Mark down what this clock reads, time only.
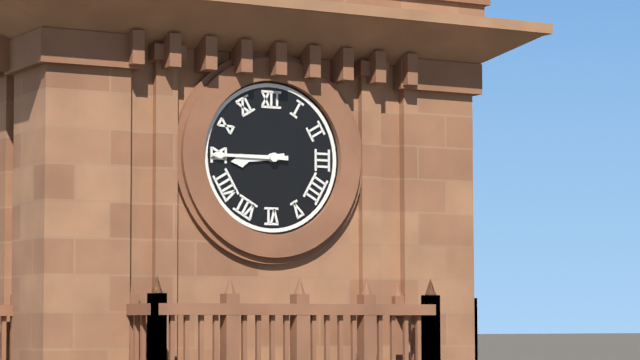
8:45
